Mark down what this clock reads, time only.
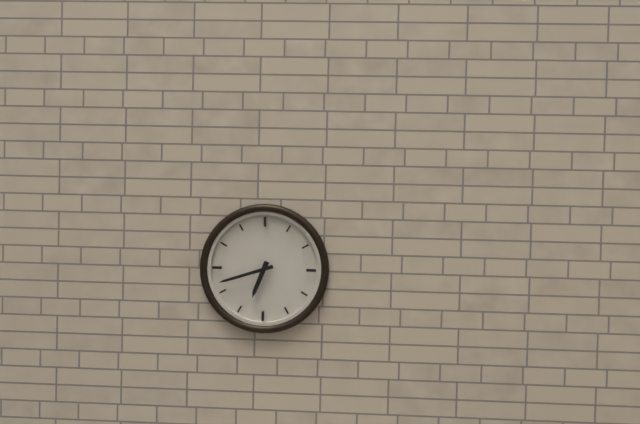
6:42
